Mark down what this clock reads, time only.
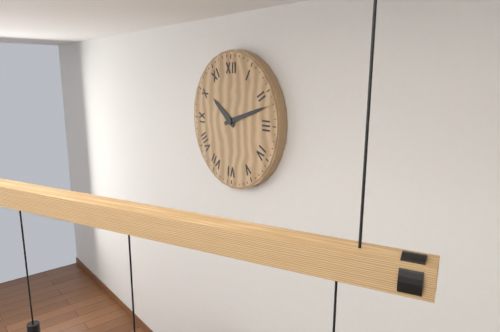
10:12
